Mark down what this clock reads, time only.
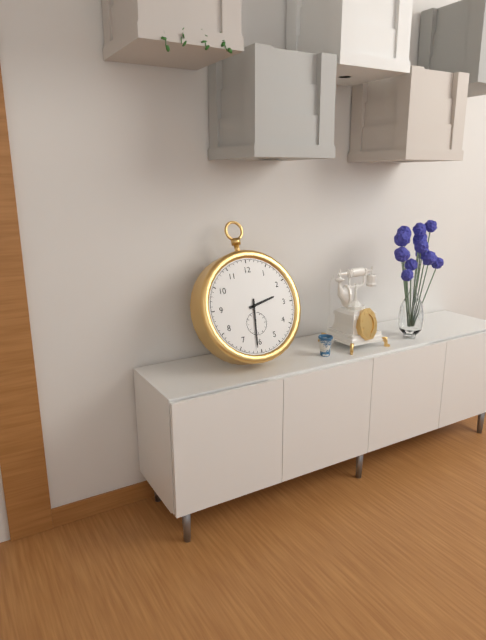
2:31
